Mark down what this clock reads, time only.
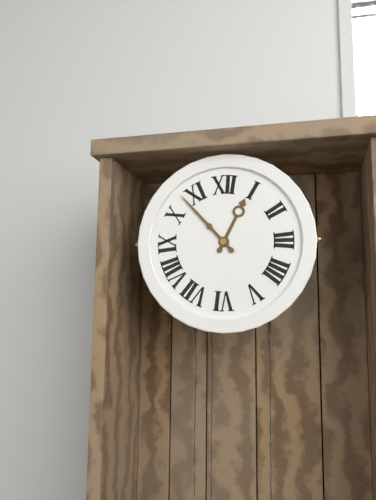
12:53
